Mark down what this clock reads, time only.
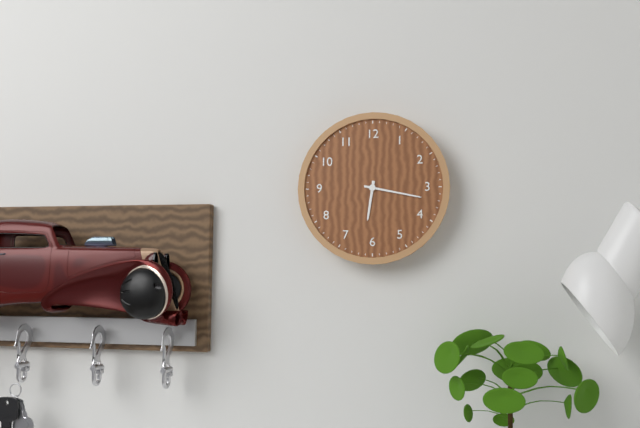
6:17
